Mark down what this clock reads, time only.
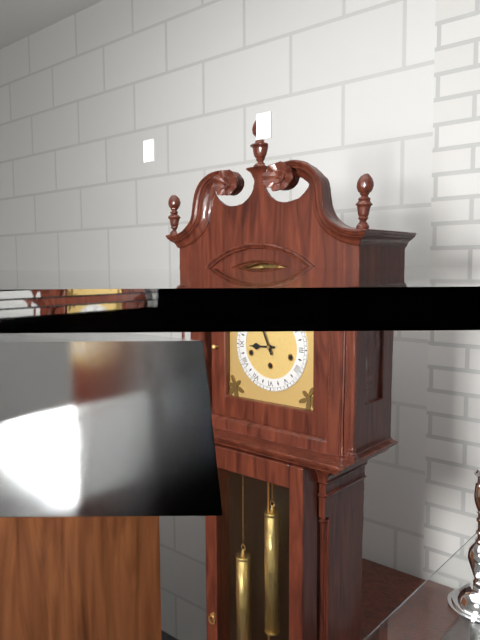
8:56
